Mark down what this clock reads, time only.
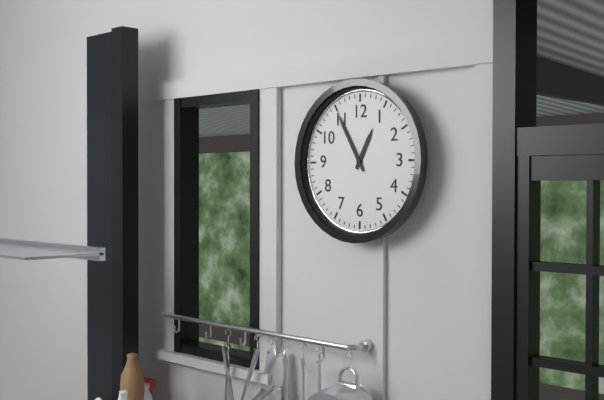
12:55
